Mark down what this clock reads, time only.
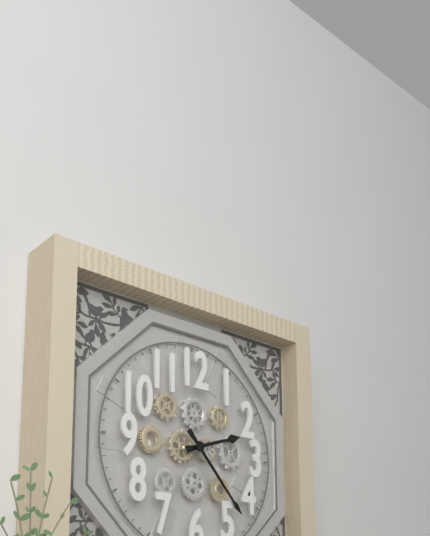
2:23
